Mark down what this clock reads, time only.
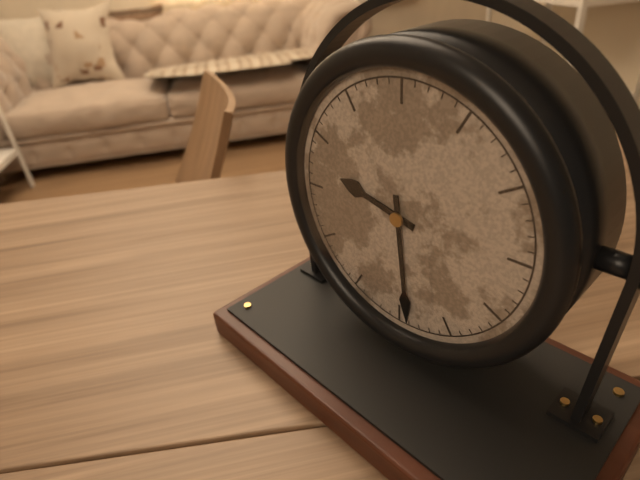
9:29
